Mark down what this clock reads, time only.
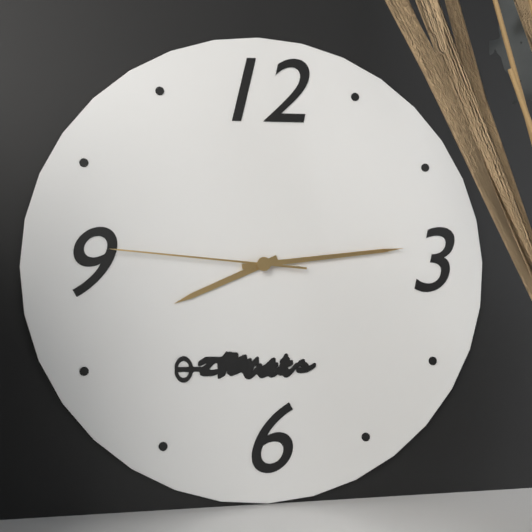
8:14:46
